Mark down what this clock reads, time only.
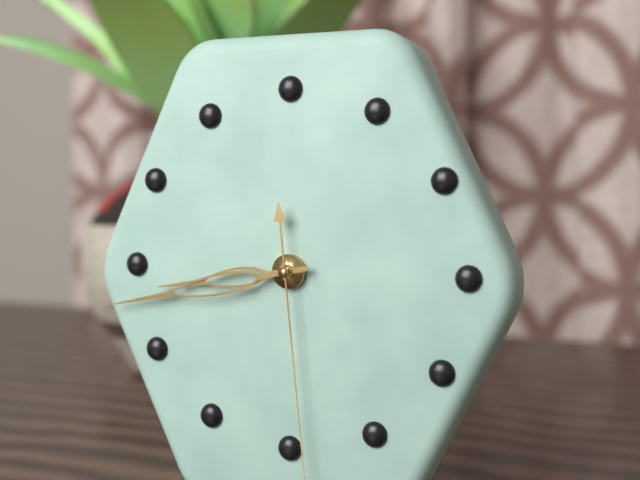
8:43
